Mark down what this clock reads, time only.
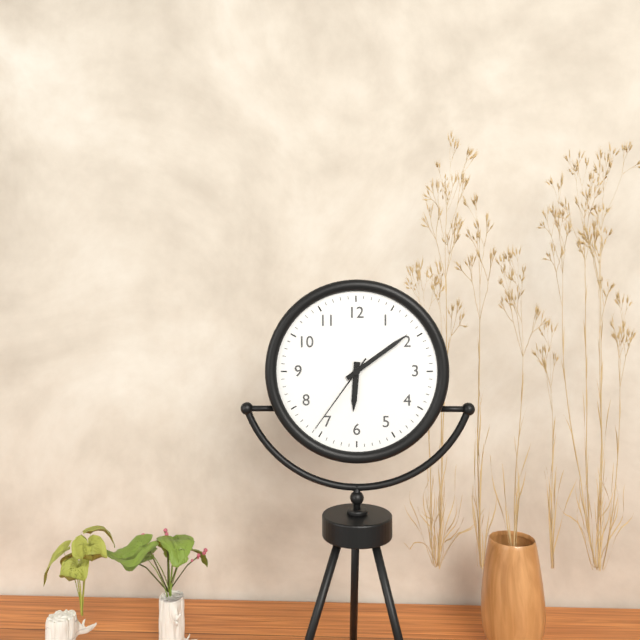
6:09:36
